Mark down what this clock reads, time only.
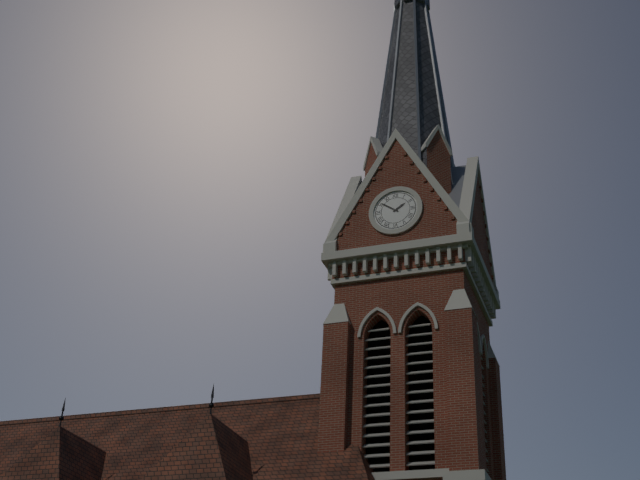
1:51
